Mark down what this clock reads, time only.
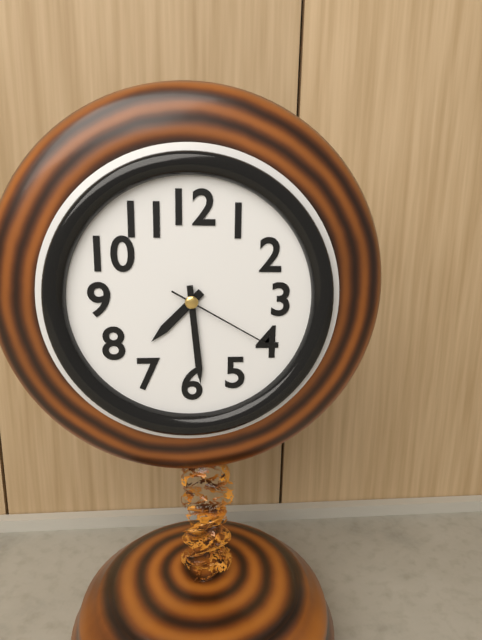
7:29:20
